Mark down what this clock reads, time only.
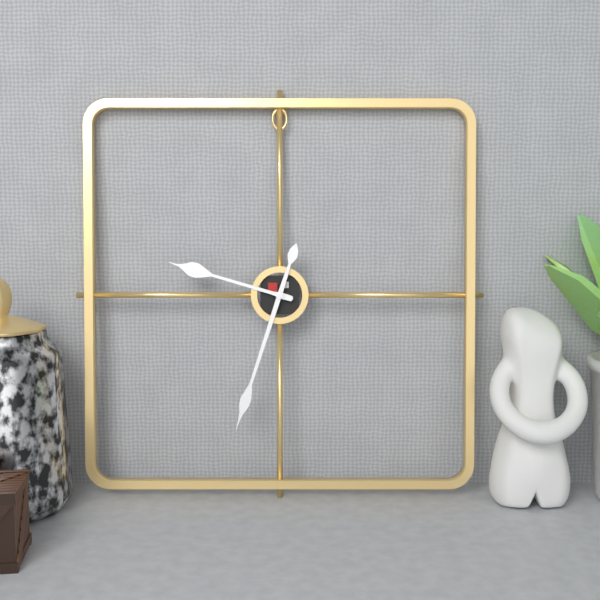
9:33
